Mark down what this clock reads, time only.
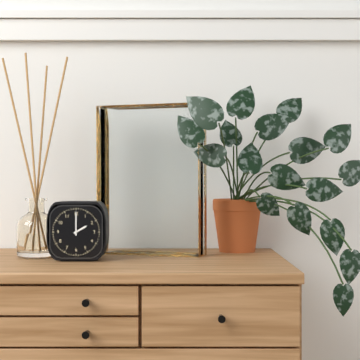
2:00
